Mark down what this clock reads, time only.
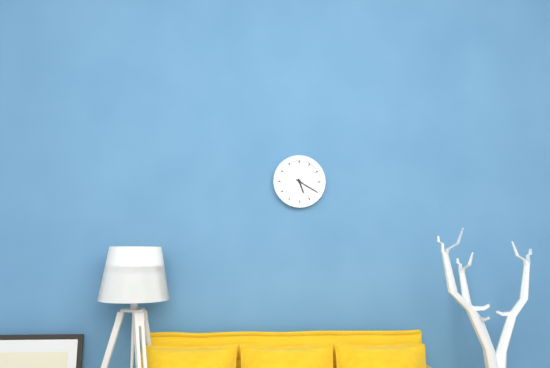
5:20
